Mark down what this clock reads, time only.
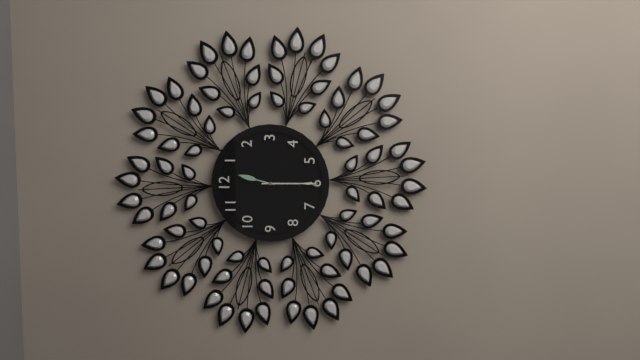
12:30
